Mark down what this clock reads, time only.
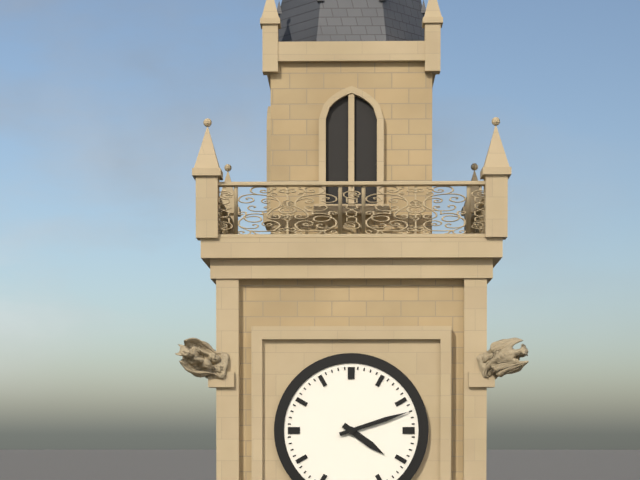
4:12
